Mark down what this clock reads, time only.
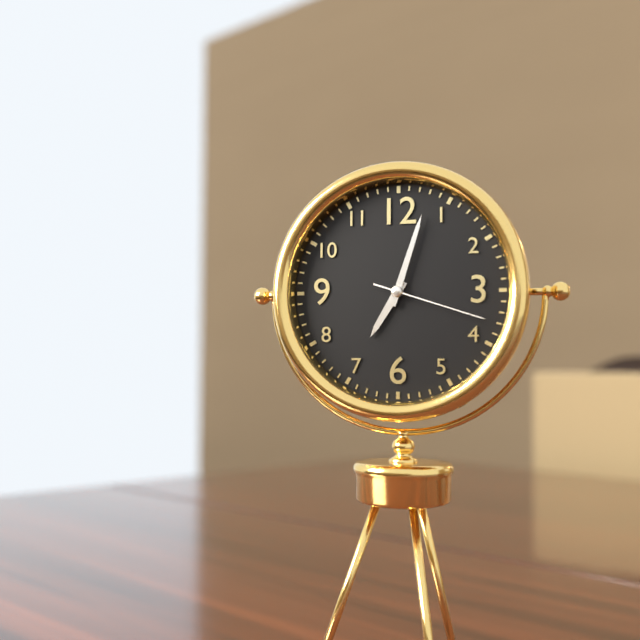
7:03:18
